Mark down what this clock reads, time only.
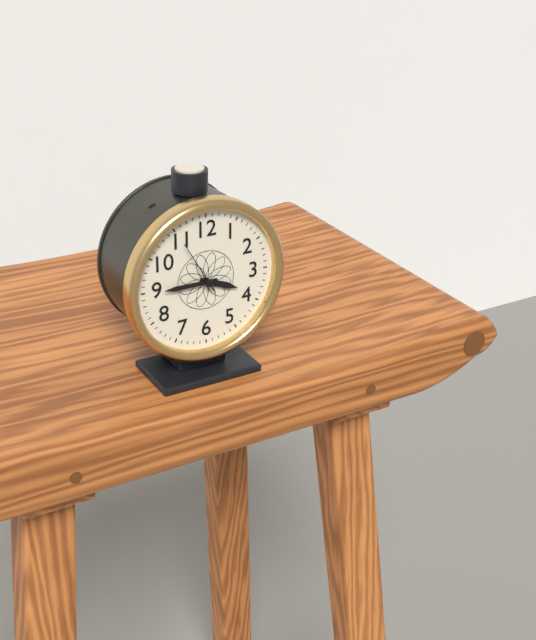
3:45:55
